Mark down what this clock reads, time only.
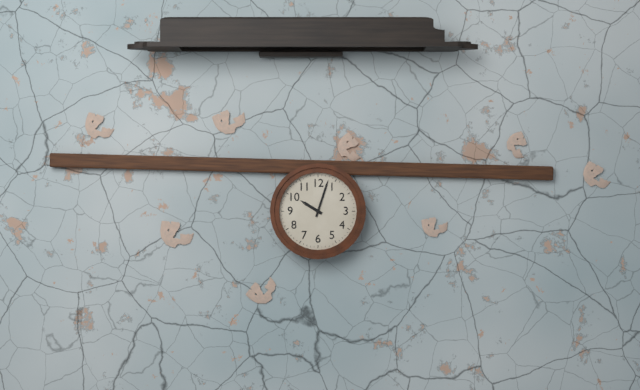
10:03
